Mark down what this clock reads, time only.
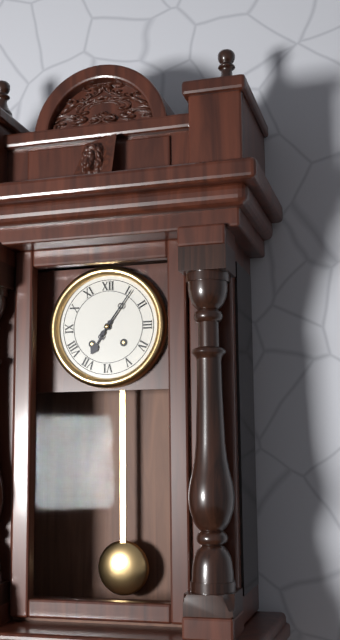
7:06
